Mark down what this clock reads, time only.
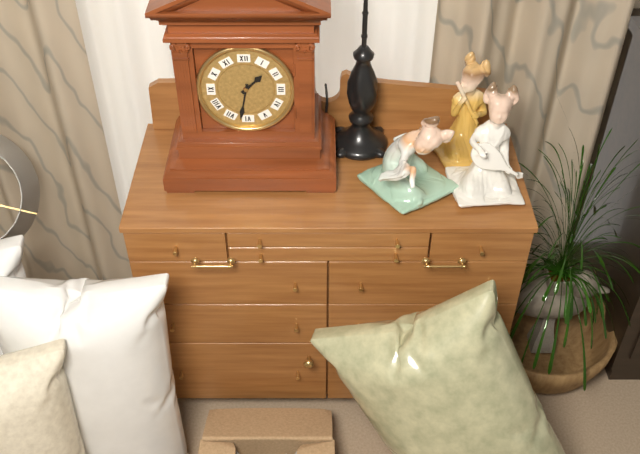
1:32
